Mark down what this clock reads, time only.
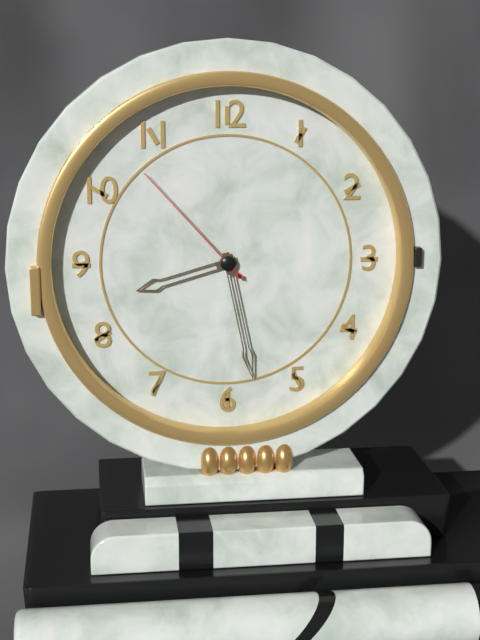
8:28:53
